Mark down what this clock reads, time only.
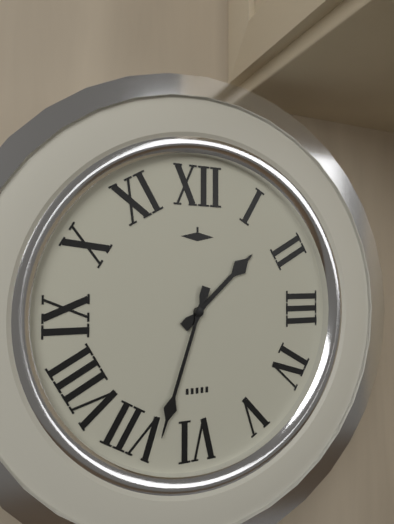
1:33
